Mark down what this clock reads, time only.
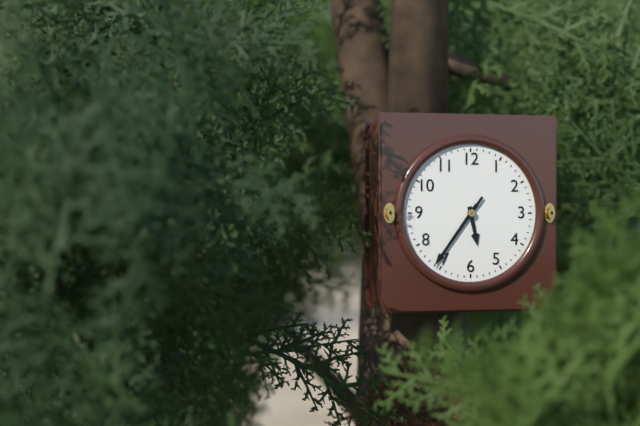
5:36:36
